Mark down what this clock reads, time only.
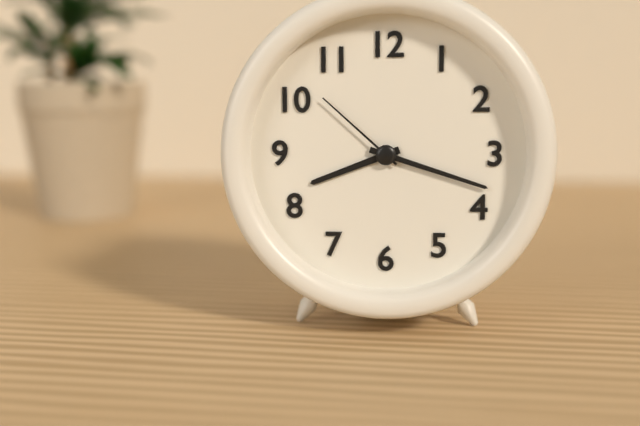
8:18:52
